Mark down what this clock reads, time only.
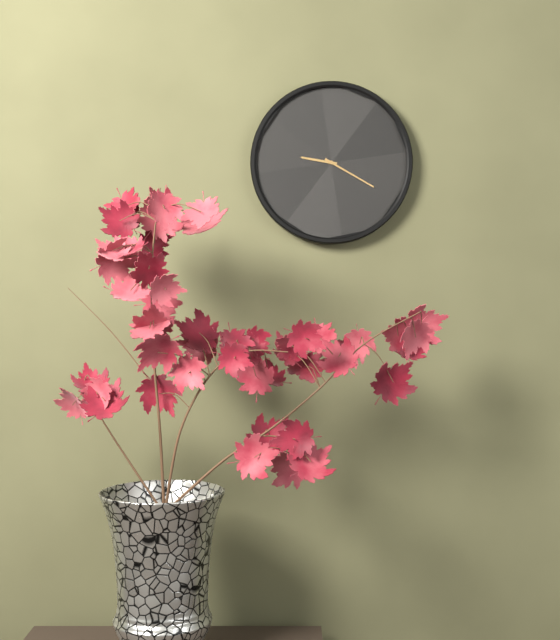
9:20
